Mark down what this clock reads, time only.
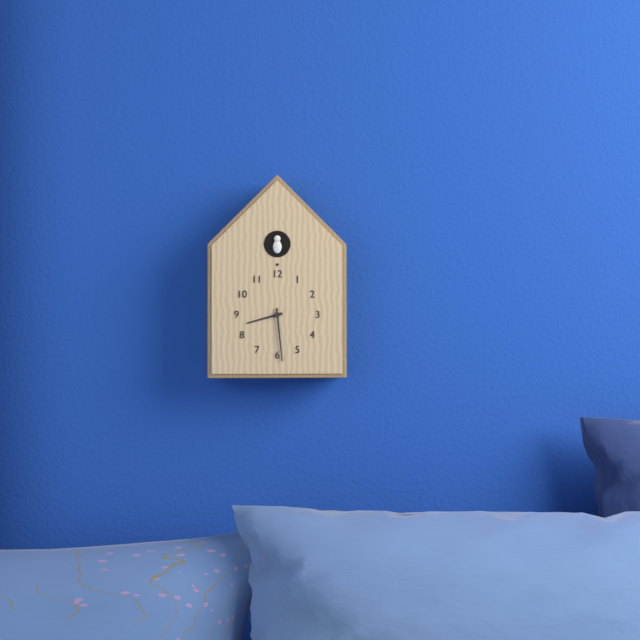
8:29
